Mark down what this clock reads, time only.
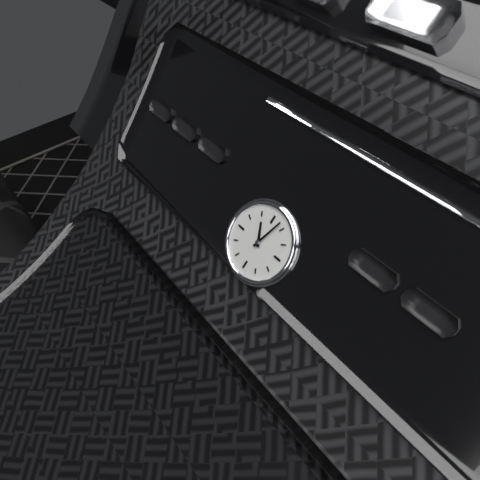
11:03
